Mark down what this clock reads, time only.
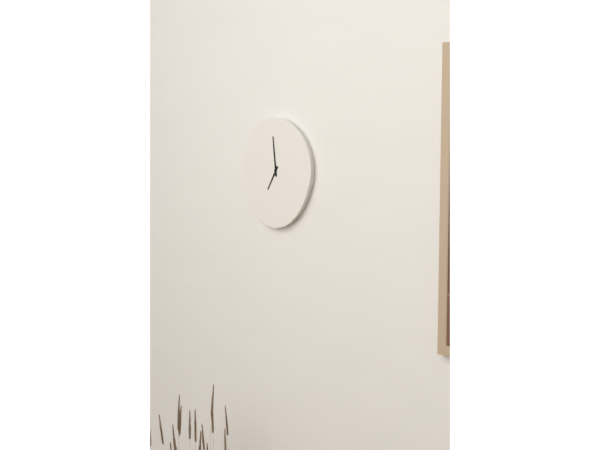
6:59
